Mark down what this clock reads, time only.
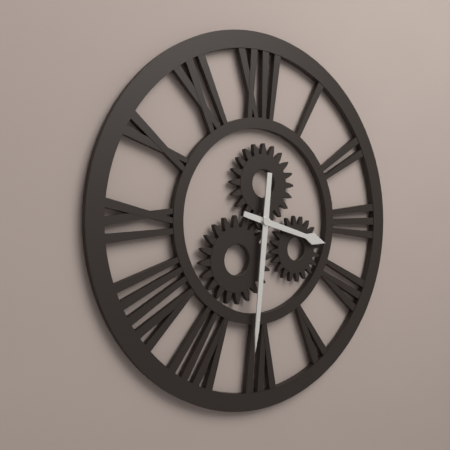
3:31
